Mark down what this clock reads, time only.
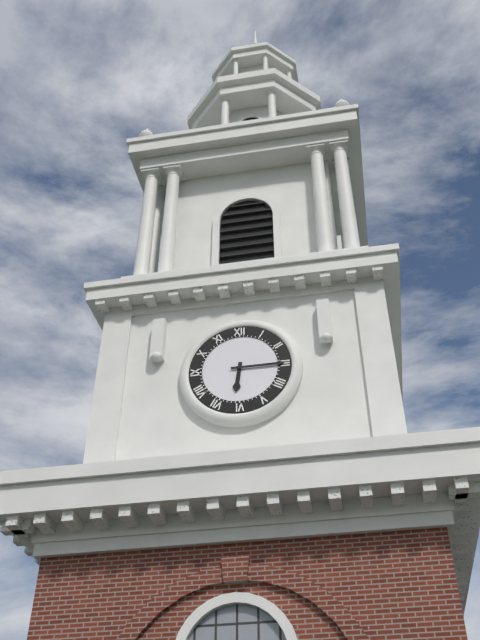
6:15
